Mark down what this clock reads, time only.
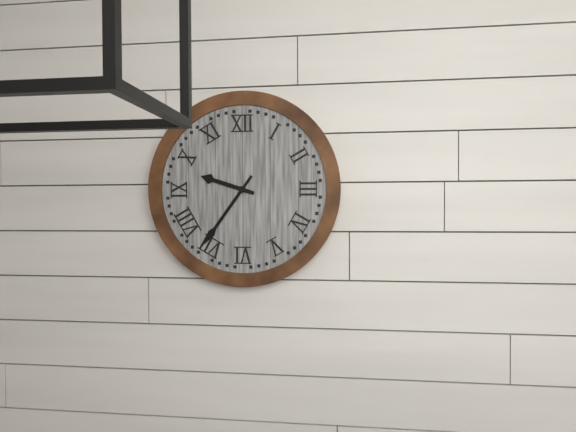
9:36
